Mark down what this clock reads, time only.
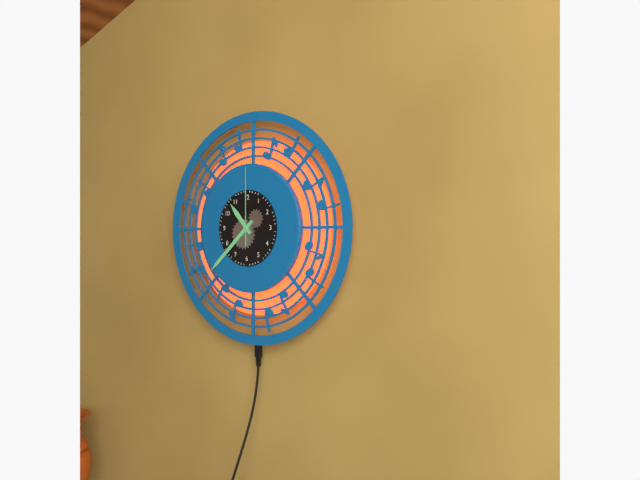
10:38:00
